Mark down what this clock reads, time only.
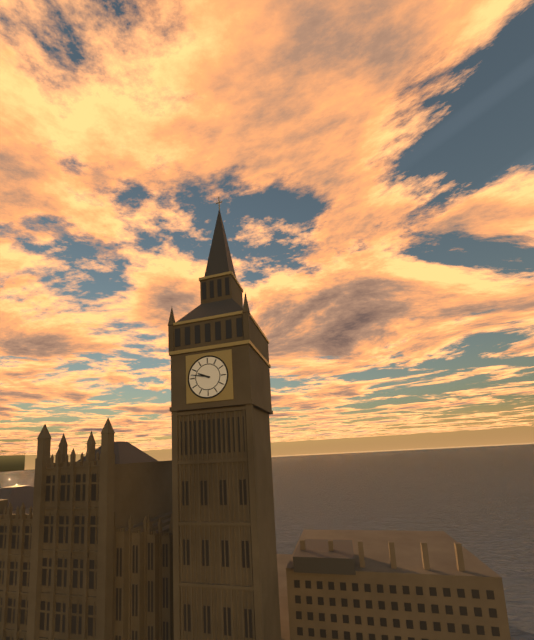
9:47
